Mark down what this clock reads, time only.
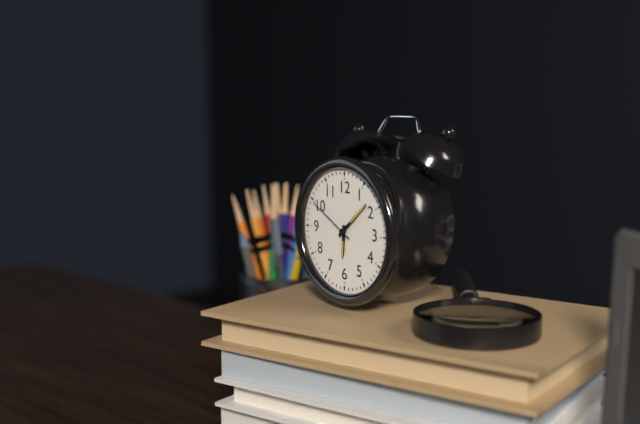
6:08:50
